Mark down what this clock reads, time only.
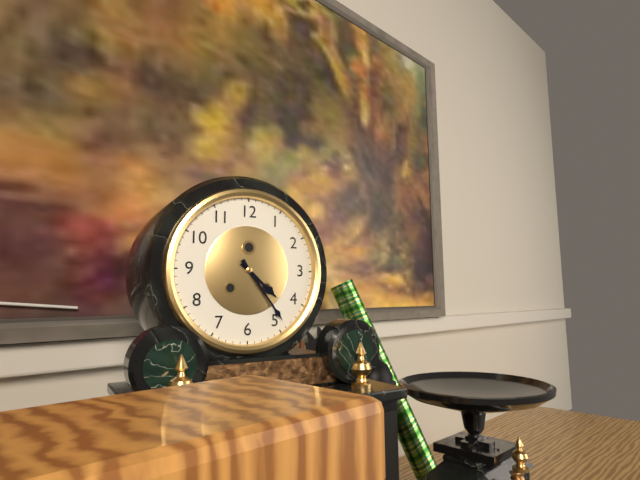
4:24
